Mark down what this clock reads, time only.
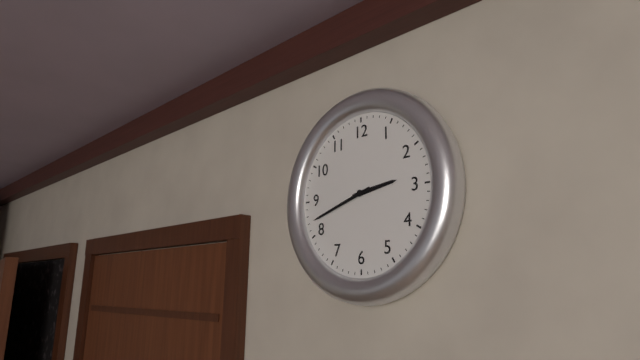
2:42
